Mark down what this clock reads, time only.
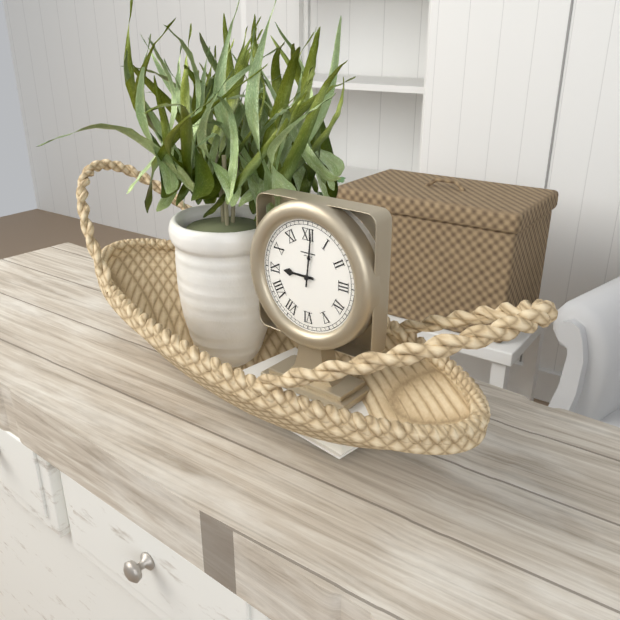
9:01
